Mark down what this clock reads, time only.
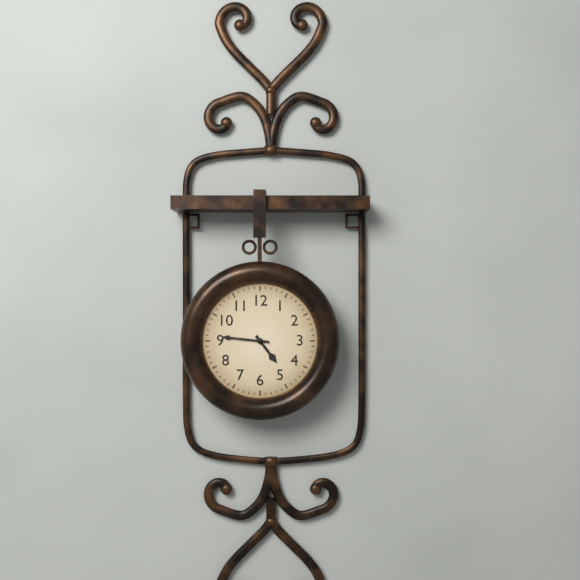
4:46
